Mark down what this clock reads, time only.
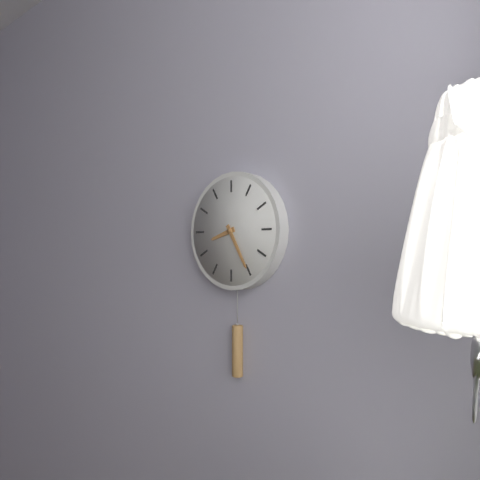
8:25
